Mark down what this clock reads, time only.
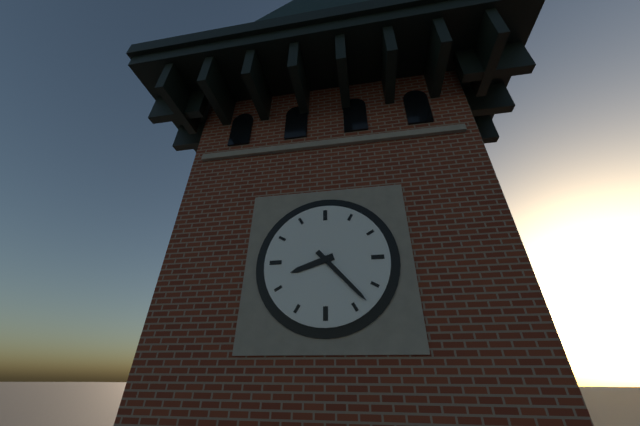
8:23
